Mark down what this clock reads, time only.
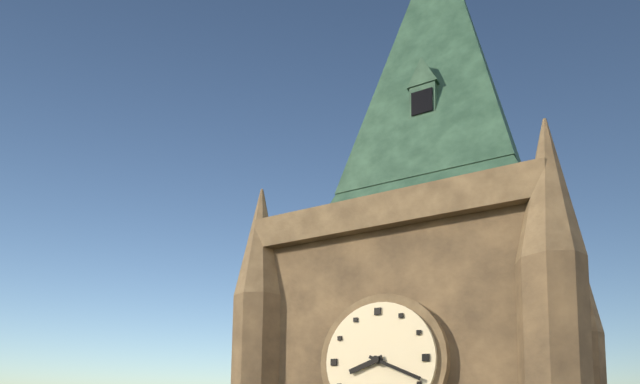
8:19
